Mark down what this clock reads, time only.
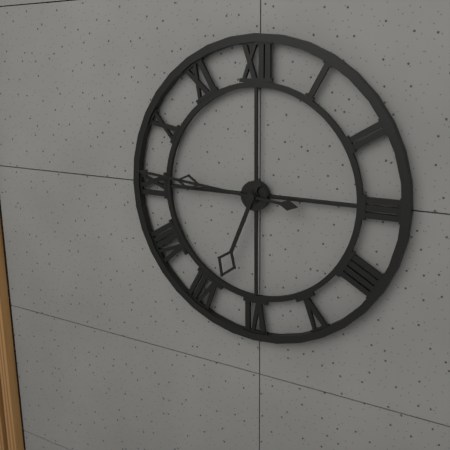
6:46
